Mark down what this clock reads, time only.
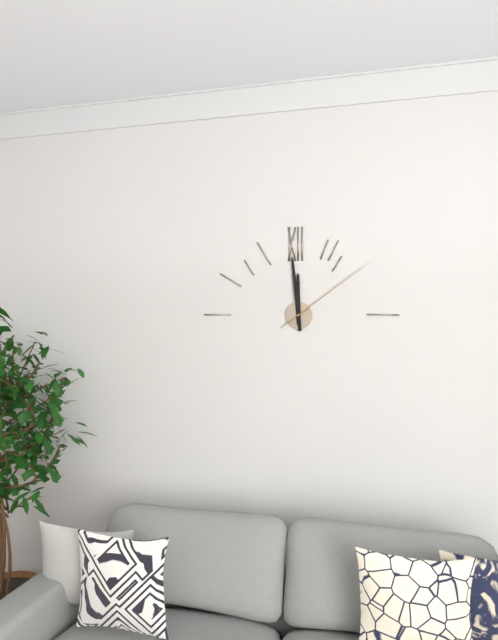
11:59:09
